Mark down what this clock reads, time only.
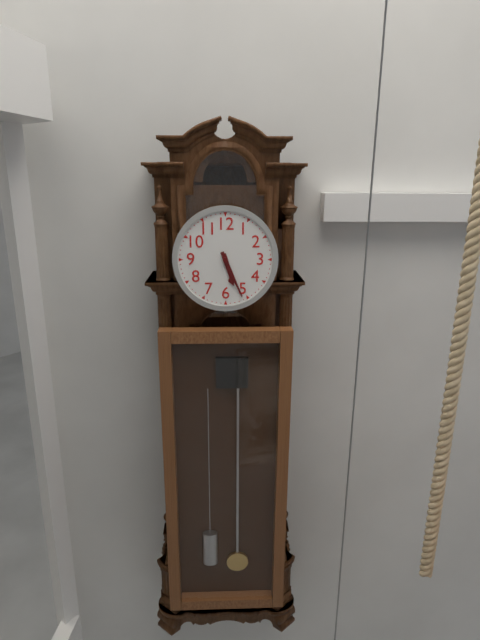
5:26
